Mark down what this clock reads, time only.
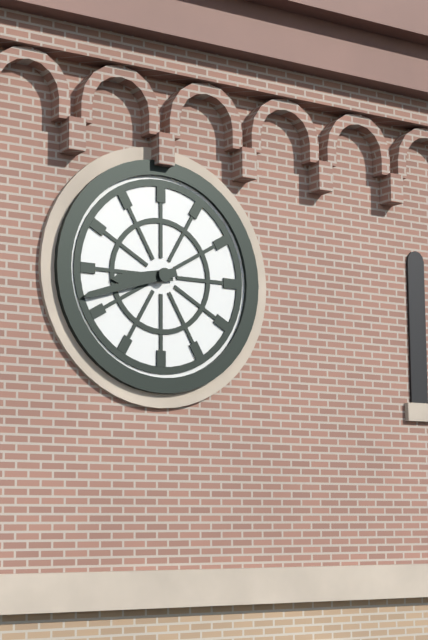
8:42
